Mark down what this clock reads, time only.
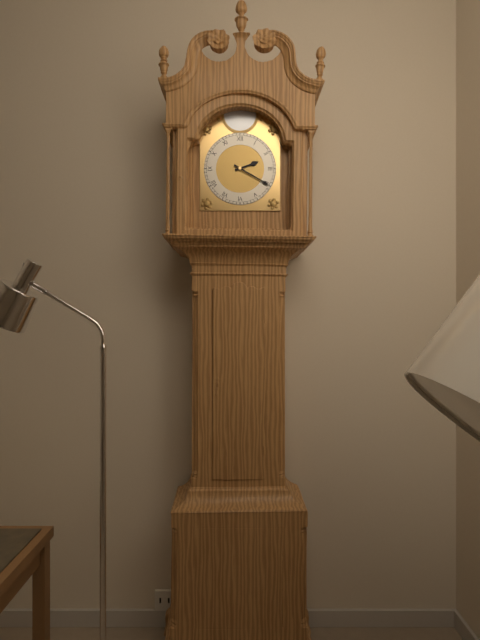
2:20
